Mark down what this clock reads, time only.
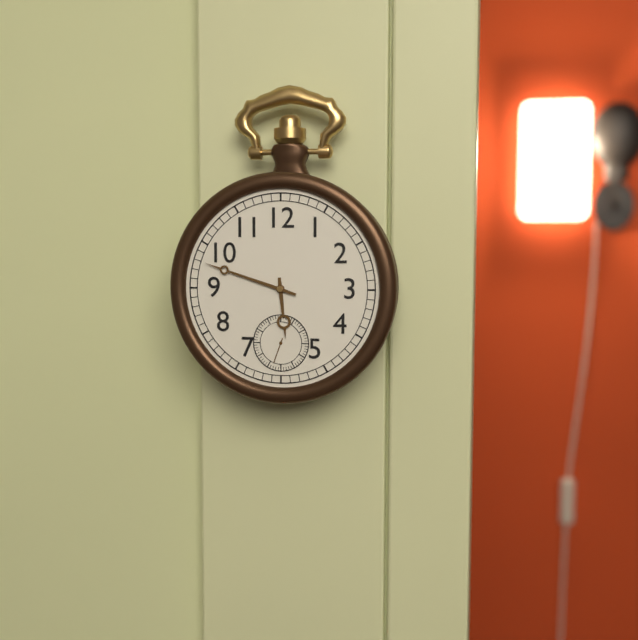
5:48
